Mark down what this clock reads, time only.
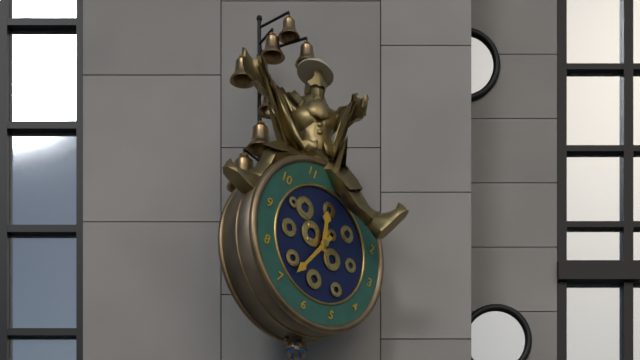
11:34
